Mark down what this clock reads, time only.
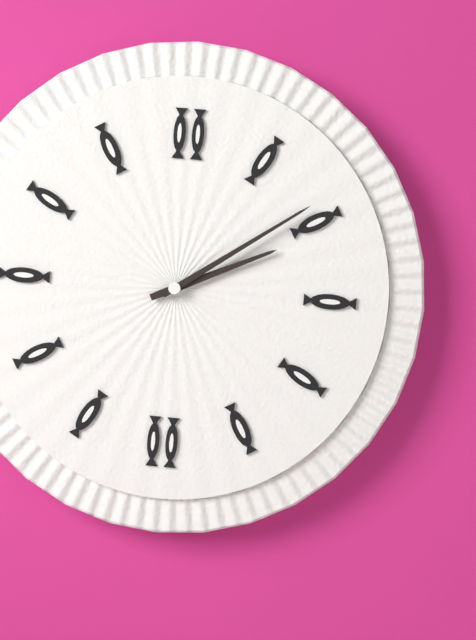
2:09
